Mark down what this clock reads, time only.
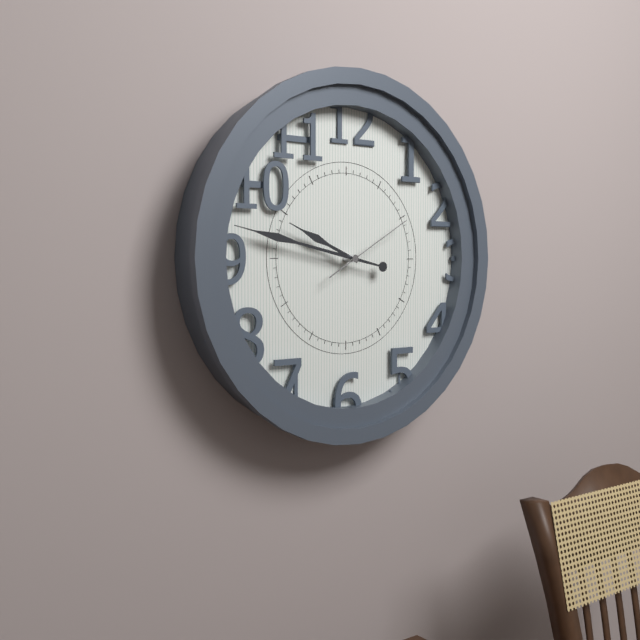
9:47:10
